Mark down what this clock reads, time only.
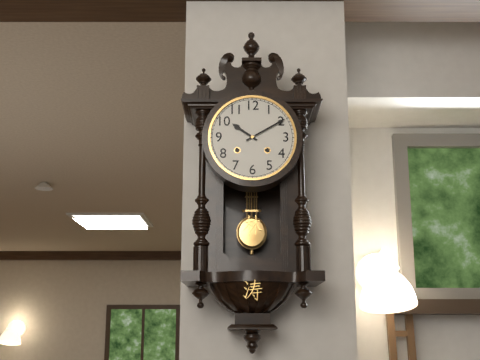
10:10
